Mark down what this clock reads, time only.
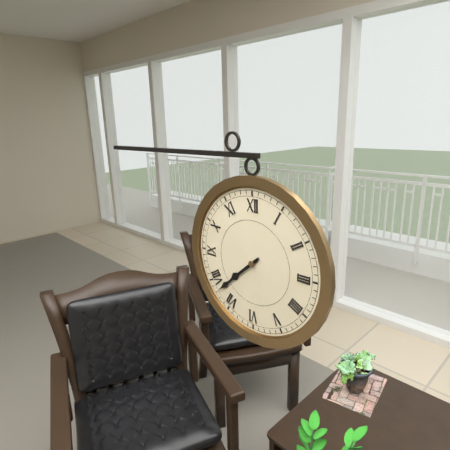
7:38
